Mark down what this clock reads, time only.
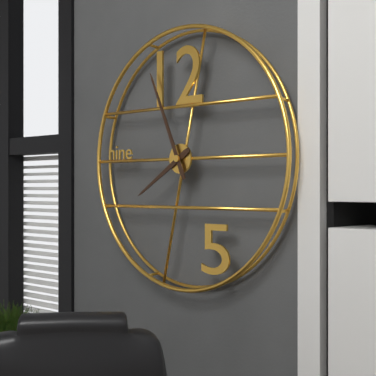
7:56
